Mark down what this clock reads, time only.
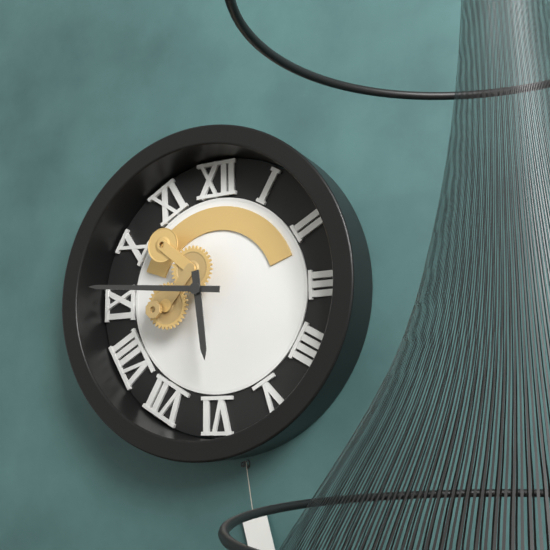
5:46
